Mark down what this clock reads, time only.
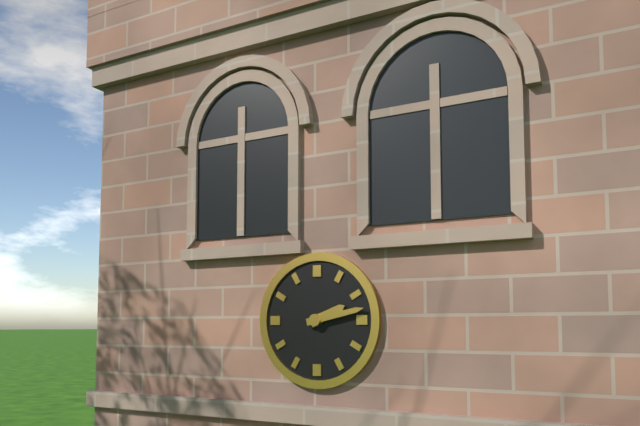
2:13
